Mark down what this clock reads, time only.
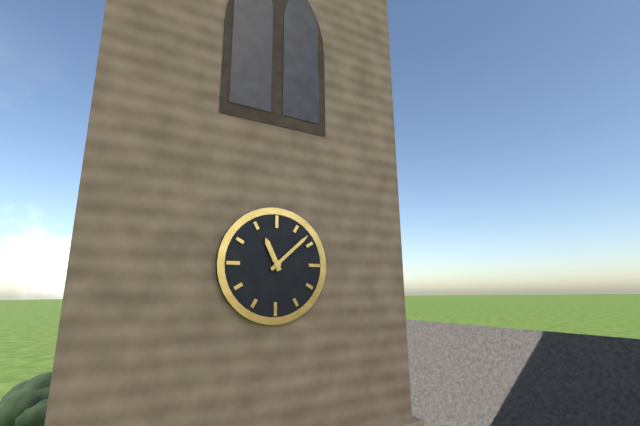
11:08
